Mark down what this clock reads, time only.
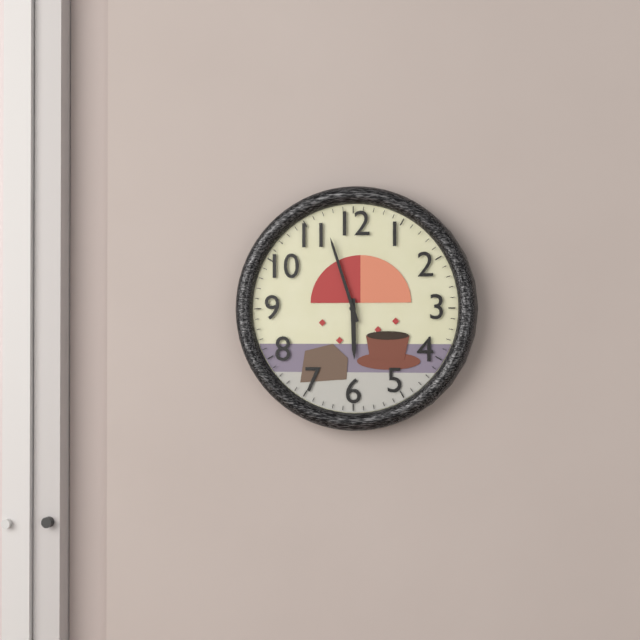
5:57
